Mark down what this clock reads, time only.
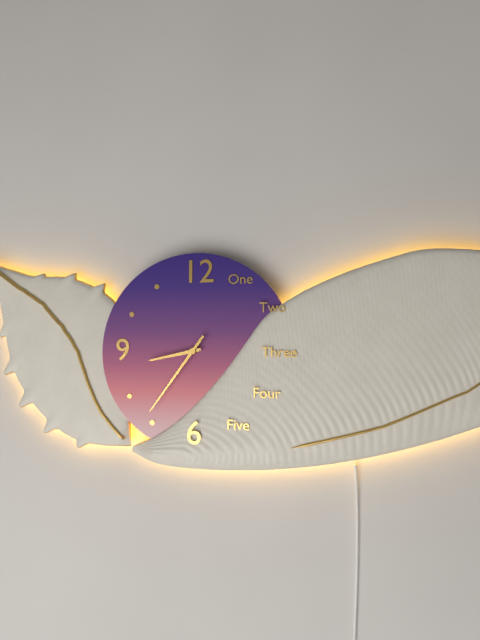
8:36
